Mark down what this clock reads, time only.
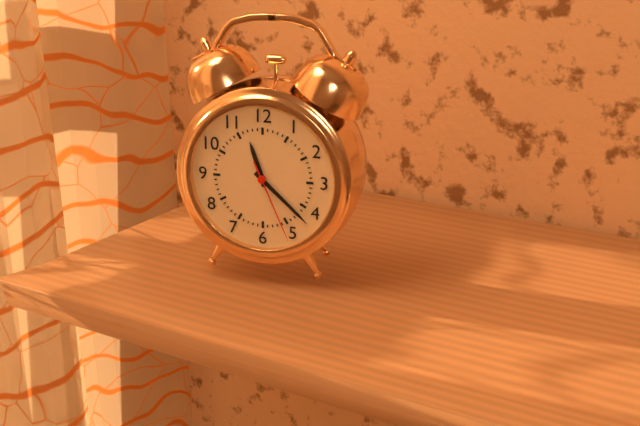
11:22:26
